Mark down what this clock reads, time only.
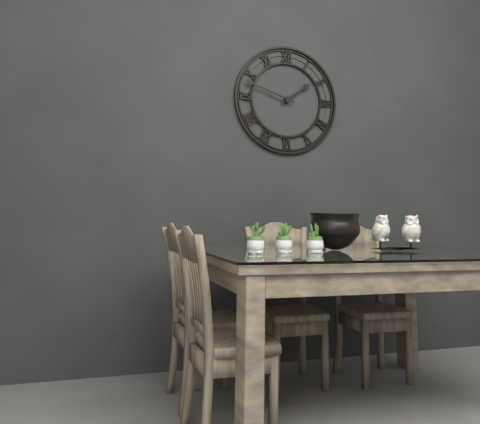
1:48
